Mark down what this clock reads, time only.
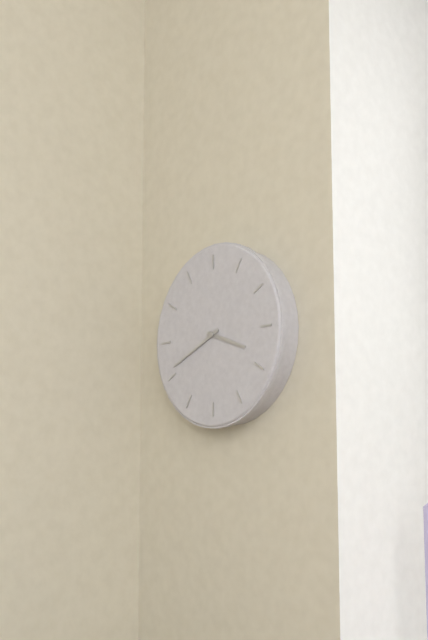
3:41
